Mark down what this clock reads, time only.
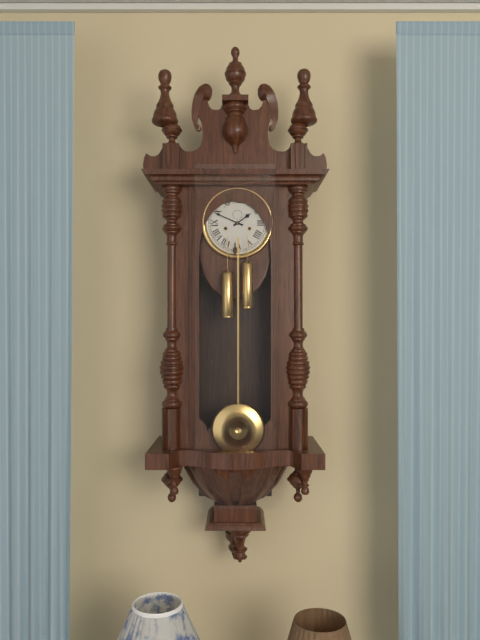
1:49
